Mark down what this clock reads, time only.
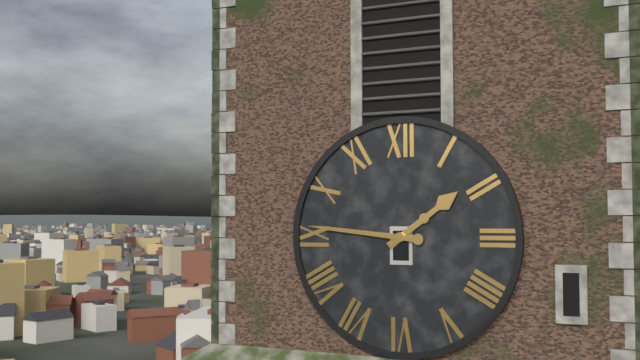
1:46
